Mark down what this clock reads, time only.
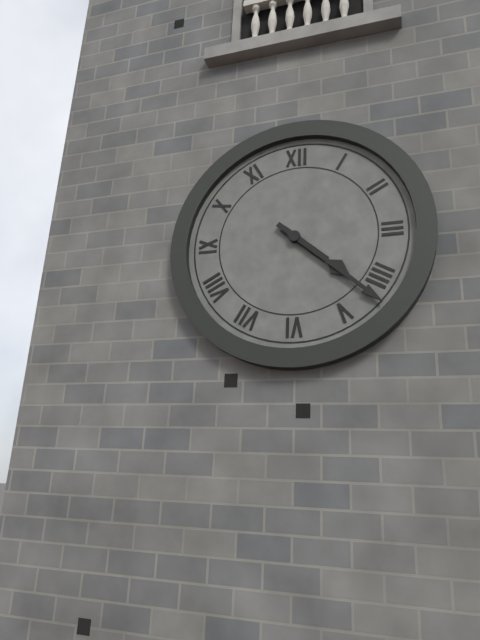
4:22
